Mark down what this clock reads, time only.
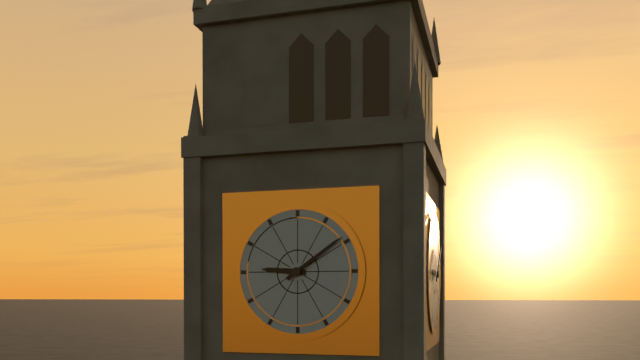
9:09
